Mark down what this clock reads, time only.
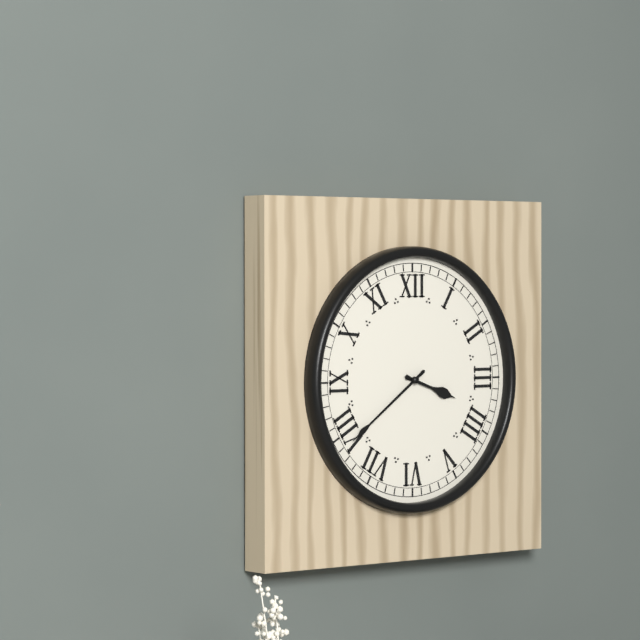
3:39
